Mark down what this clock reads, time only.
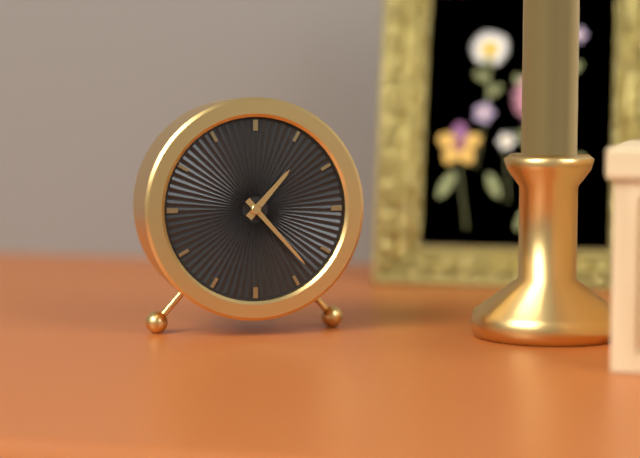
1:23
